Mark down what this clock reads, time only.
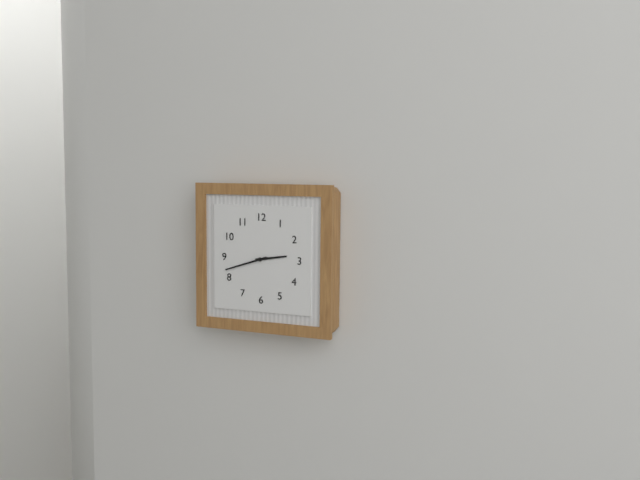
2:42
